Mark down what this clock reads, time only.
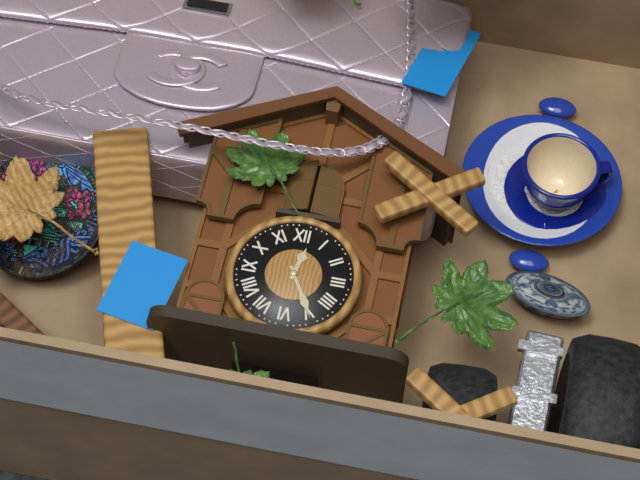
12:25
